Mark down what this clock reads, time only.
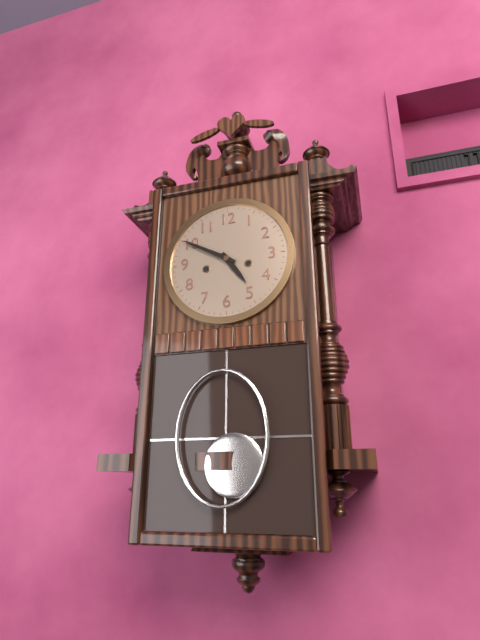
4:50
